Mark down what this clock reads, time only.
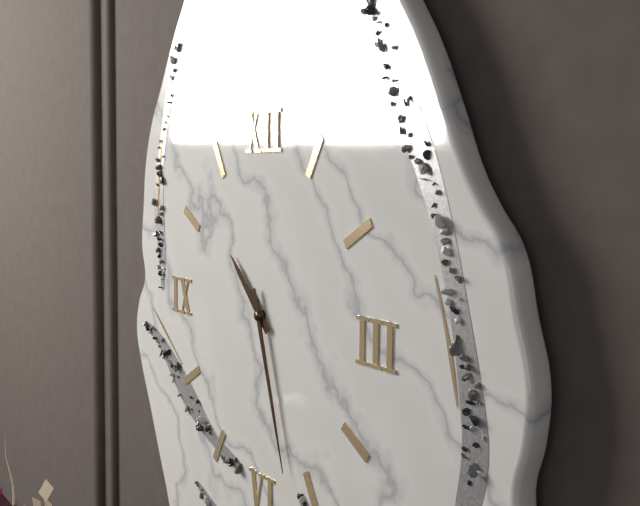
10:27
